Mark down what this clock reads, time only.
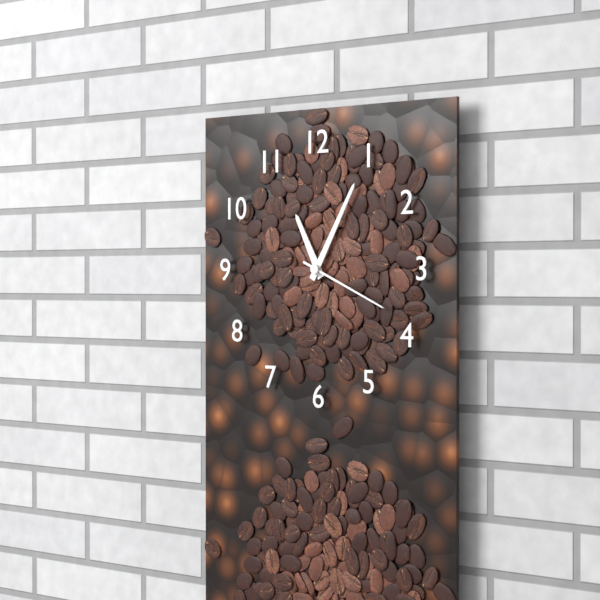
11:05:19
